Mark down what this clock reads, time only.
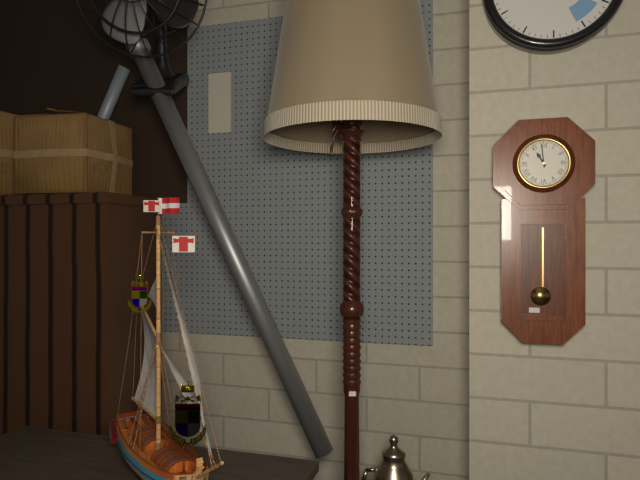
10:59
